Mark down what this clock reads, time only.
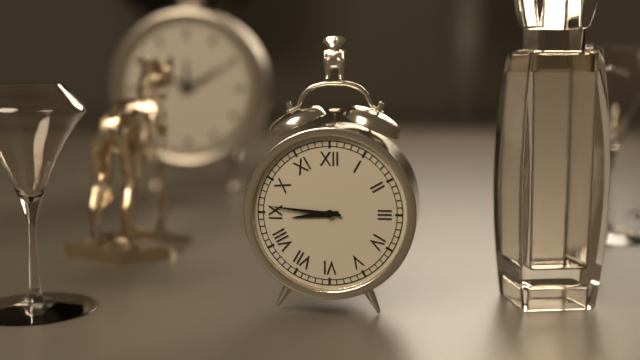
8:46
